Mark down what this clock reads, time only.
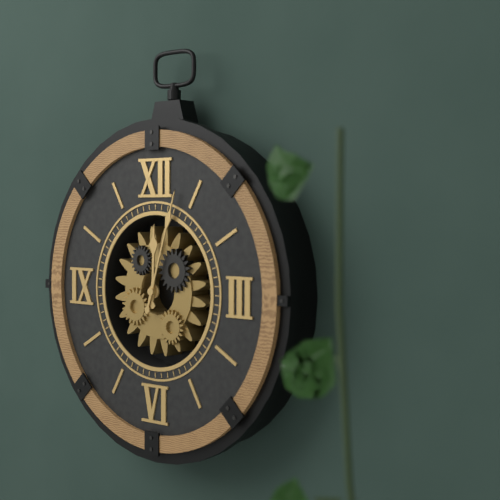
12:03
